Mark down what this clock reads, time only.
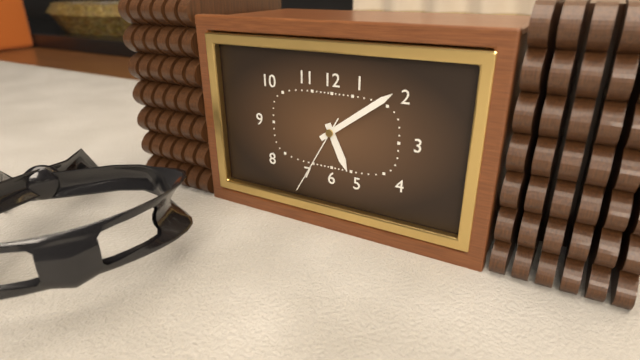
5:09:35
